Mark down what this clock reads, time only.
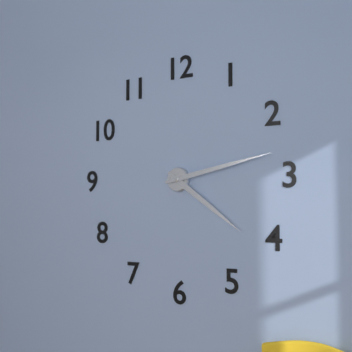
4:13
